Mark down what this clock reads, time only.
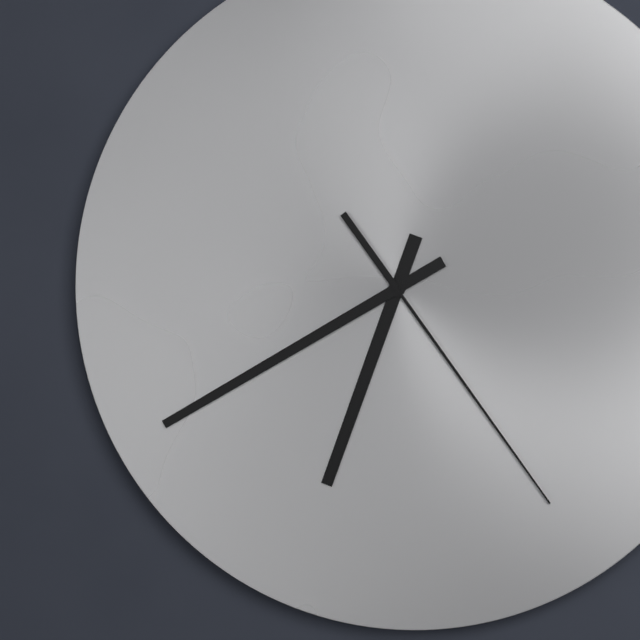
6:40:24
